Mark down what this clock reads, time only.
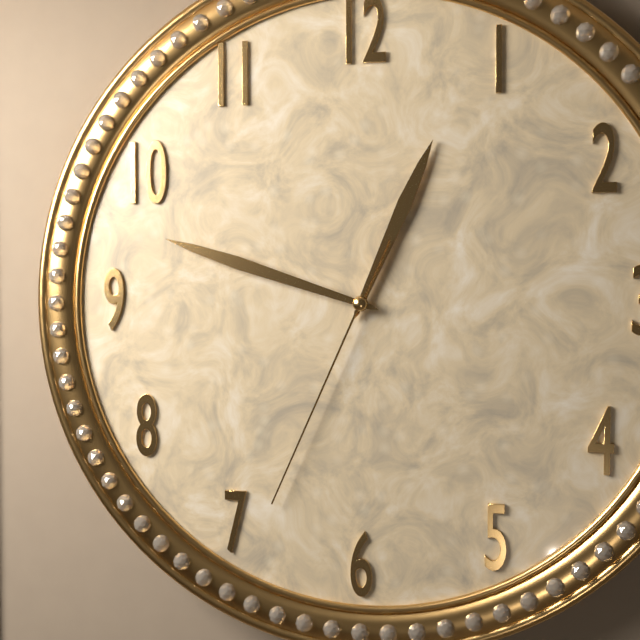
12:48:34
